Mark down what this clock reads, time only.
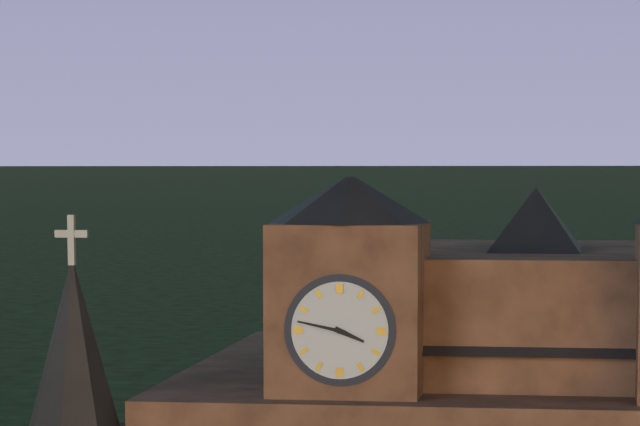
3:47
